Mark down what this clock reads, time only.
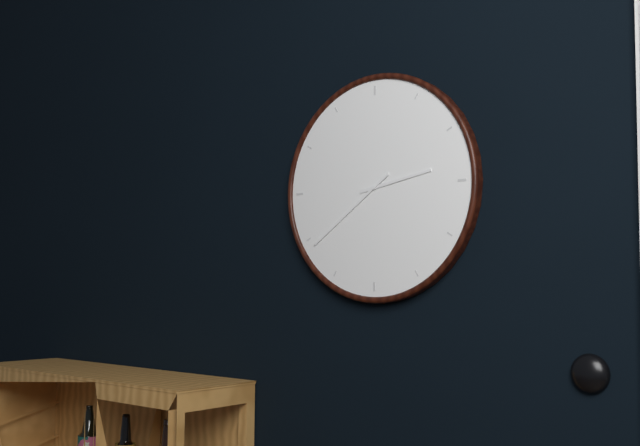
2:39
